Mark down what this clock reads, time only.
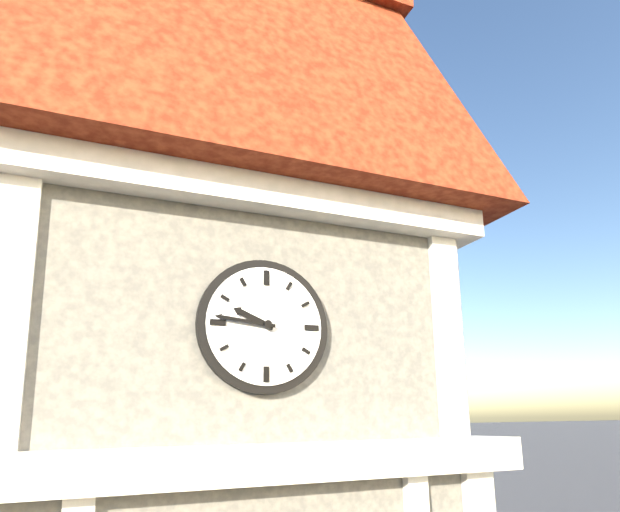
9:46
